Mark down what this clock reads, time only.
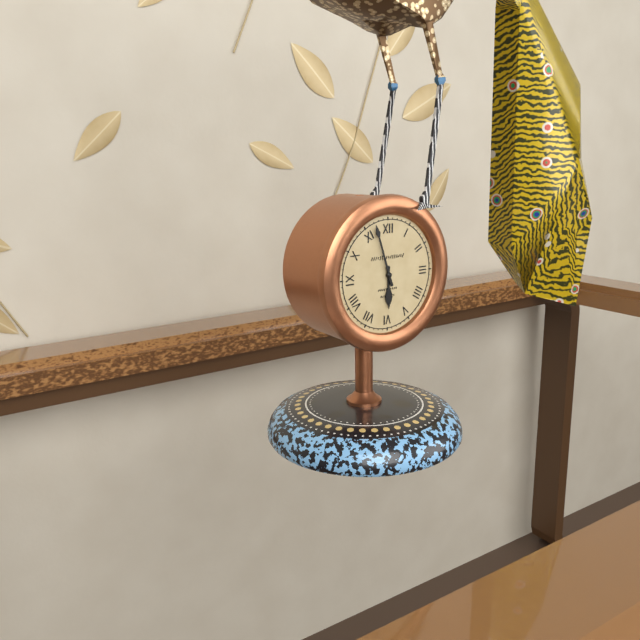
5:57
